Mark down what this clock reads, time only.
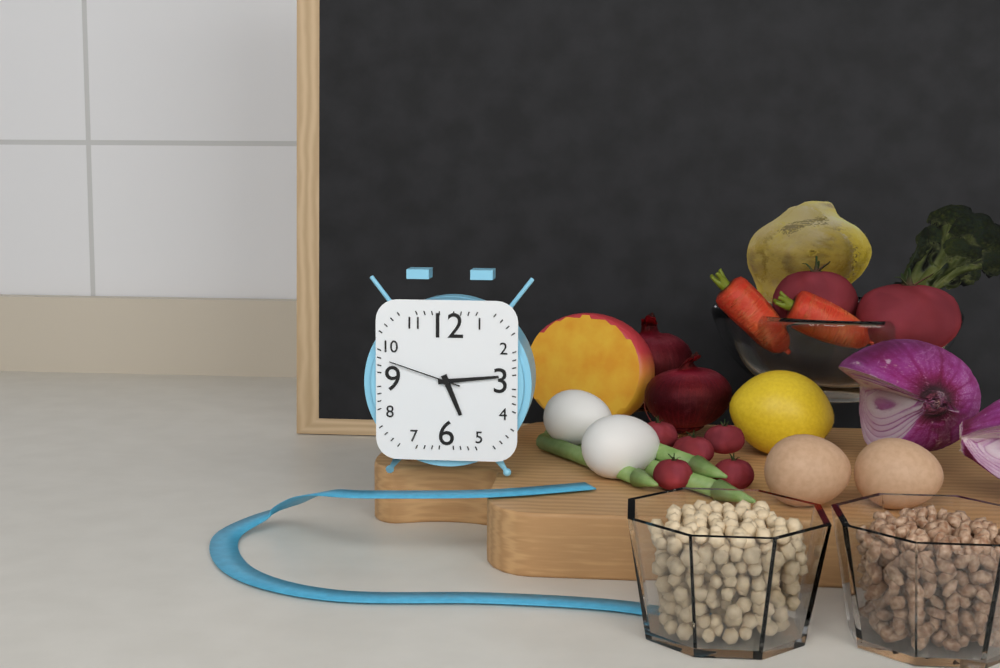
5:14:48
